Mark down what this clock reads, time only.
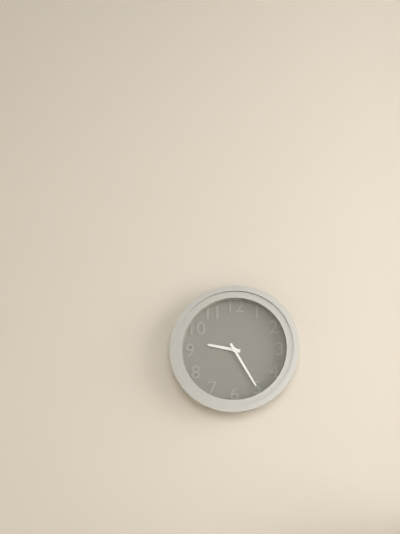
9:25
